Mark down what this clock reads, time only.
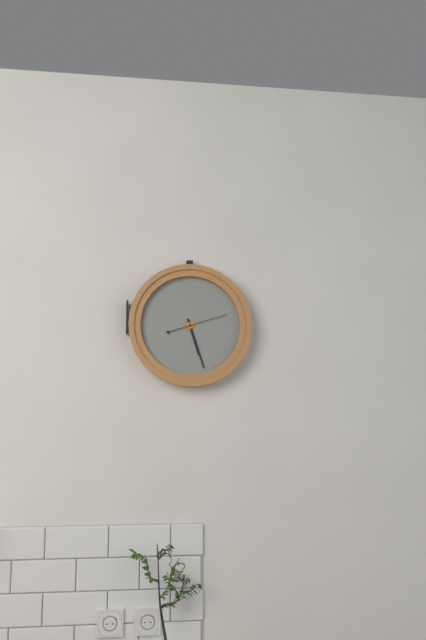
5:27
